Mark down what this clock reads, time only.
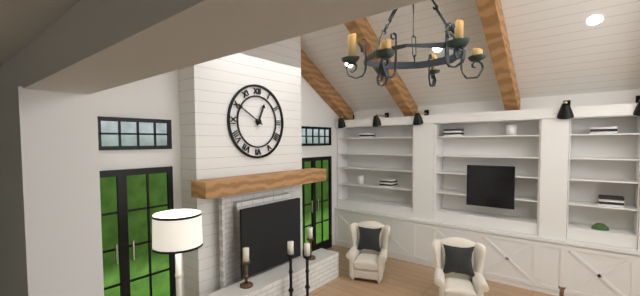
12:50
